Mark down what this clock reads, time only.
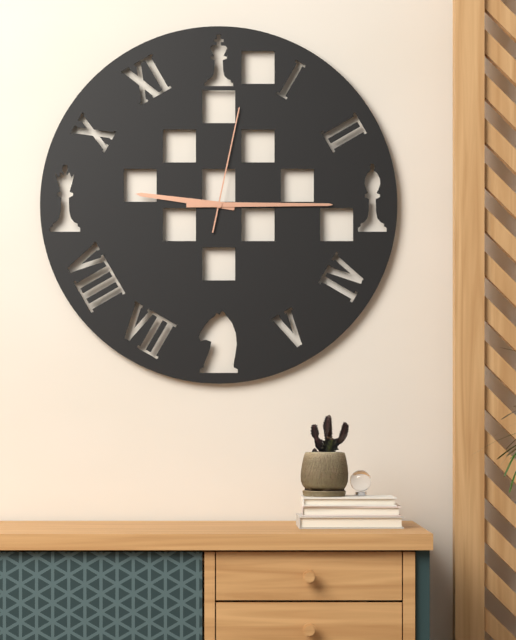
9:15:02
